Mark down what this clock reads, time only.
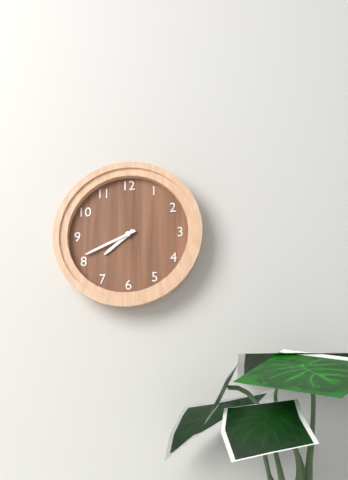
7:41
